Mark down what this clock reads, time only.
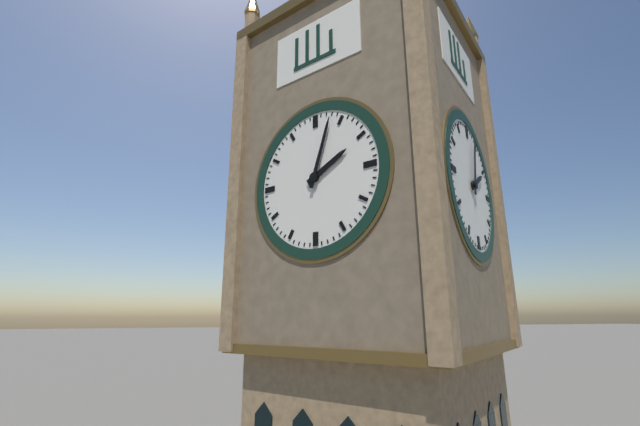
2:03
